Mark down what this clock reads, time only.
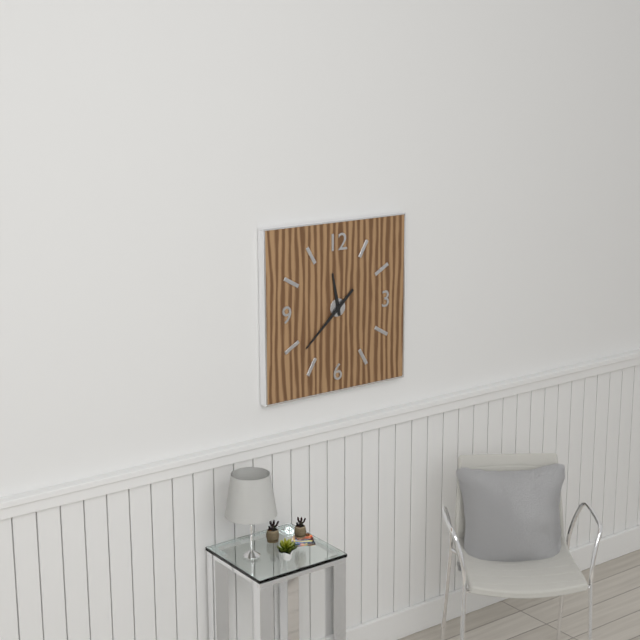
11:38
